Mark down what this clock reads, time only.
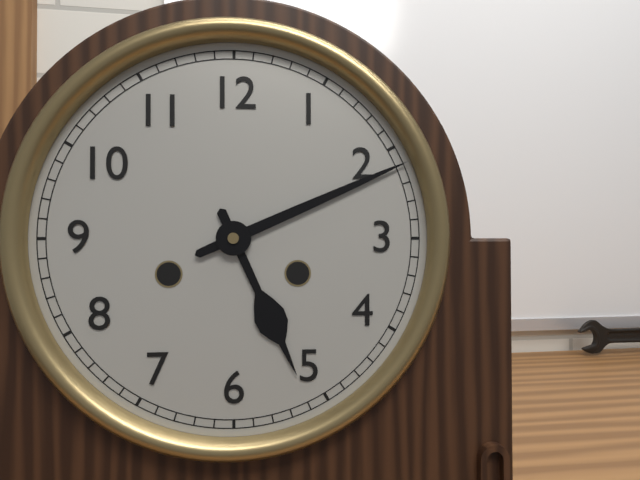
5:11
